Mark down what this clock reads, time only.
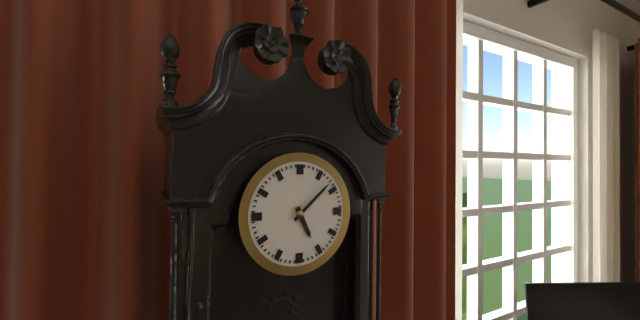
5:08
